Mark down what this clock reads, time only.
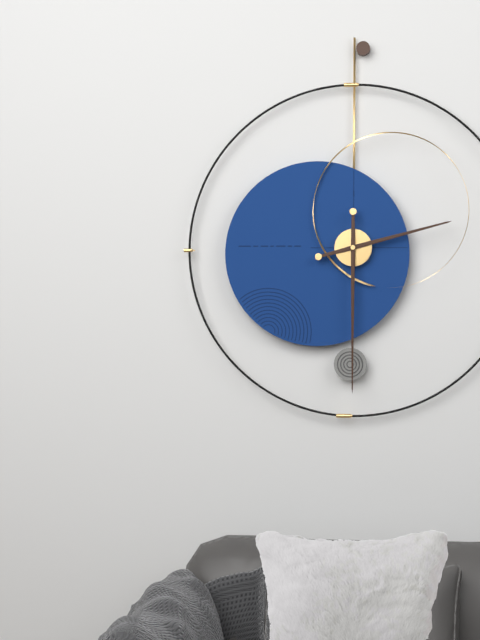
2:30
